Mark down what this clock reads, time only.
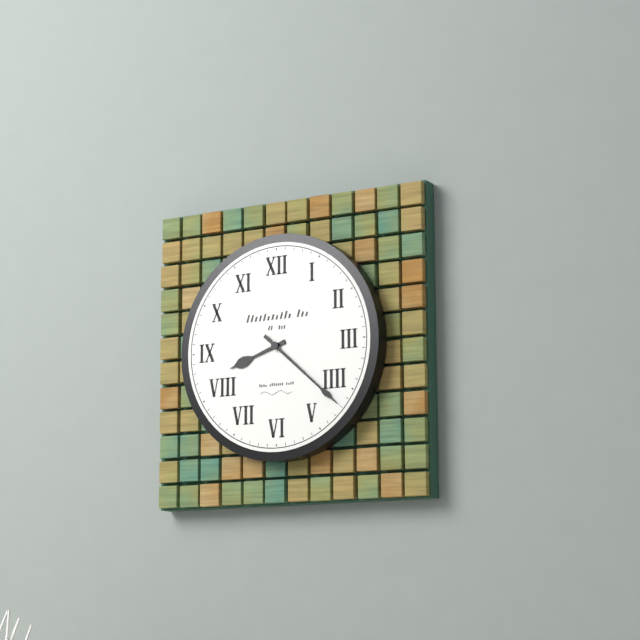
8:22
